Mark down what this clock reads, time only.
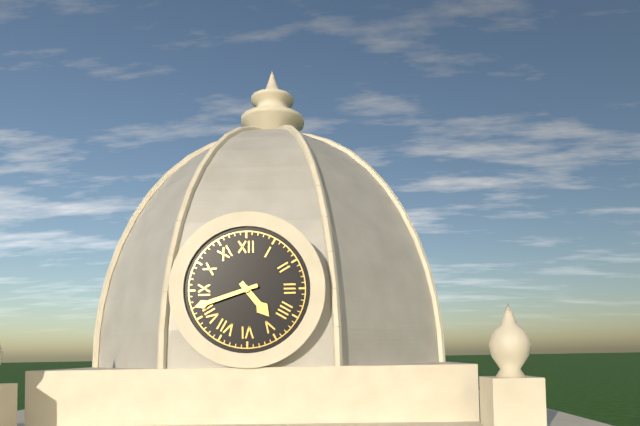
4:42
